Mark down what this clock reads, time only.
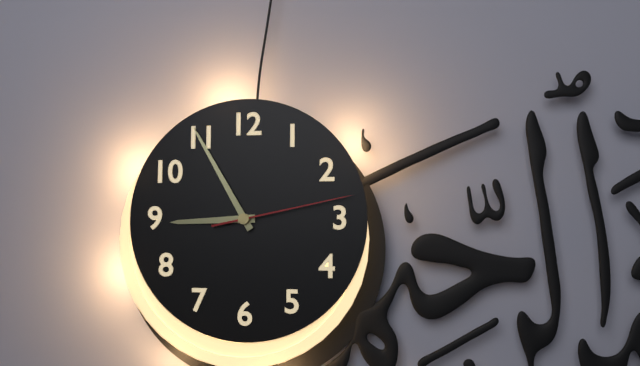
8:55:13
